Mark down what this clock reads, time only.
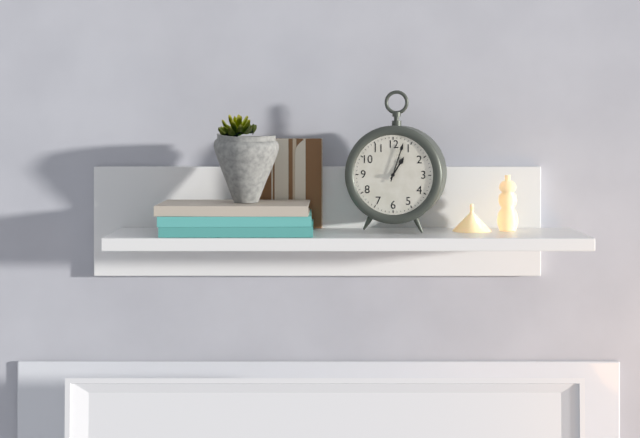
1:03
